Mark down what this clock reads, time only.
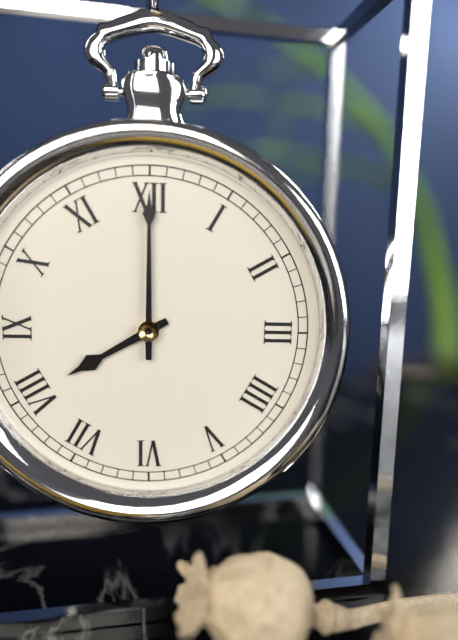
8:00
